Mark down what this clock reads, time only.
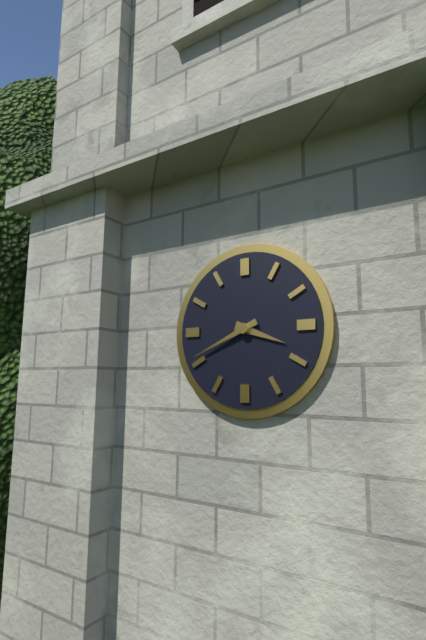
3:41
